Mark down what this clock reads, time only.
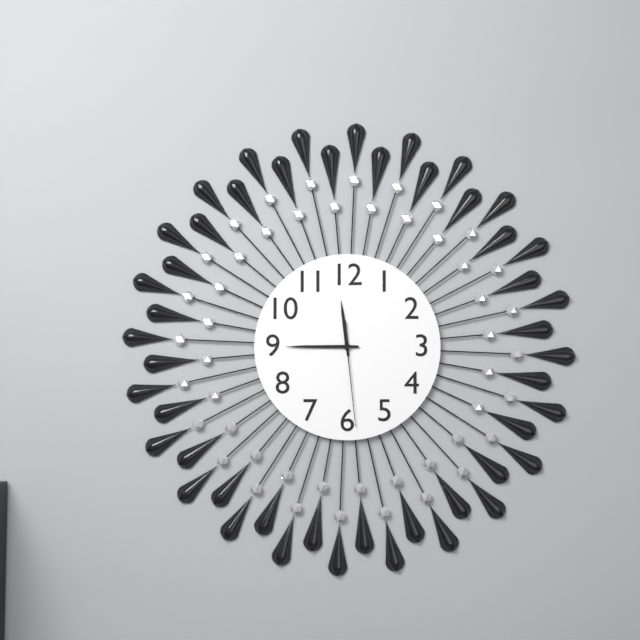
11:45:29
